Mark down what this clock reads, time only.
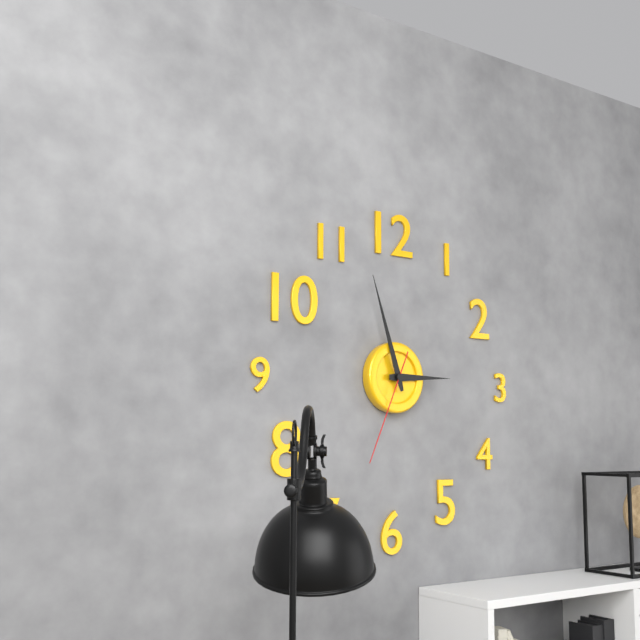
2:57:34
